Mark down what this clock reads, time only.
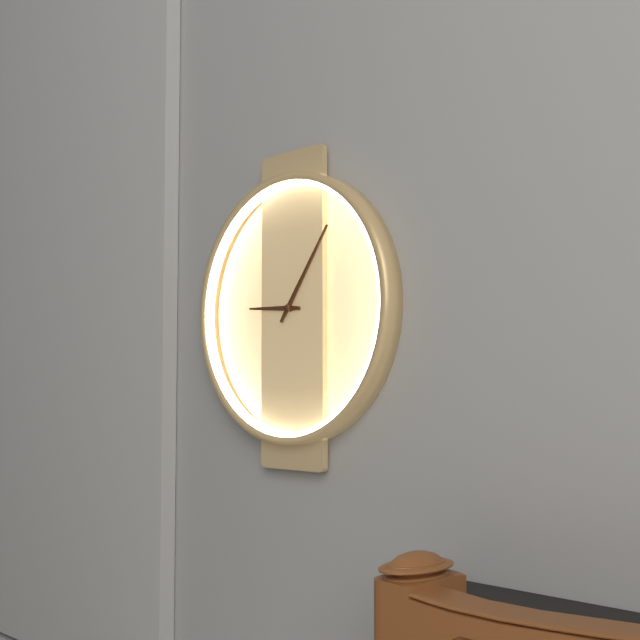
9:06
